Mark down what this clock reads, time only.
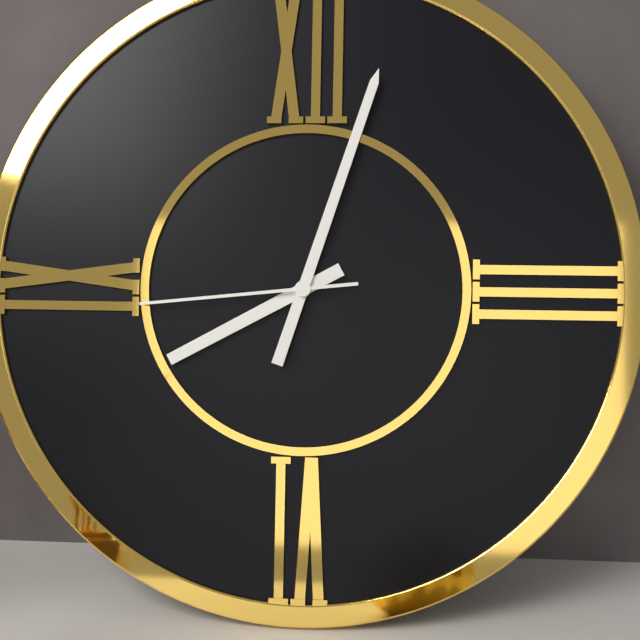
8:03:44
